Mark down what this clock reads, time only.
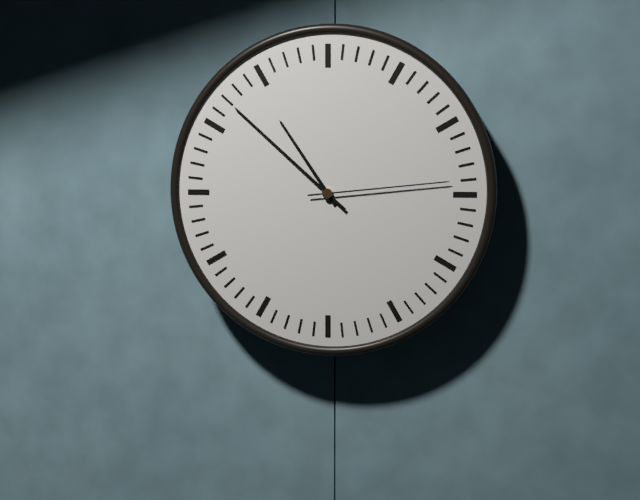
10:52:14
